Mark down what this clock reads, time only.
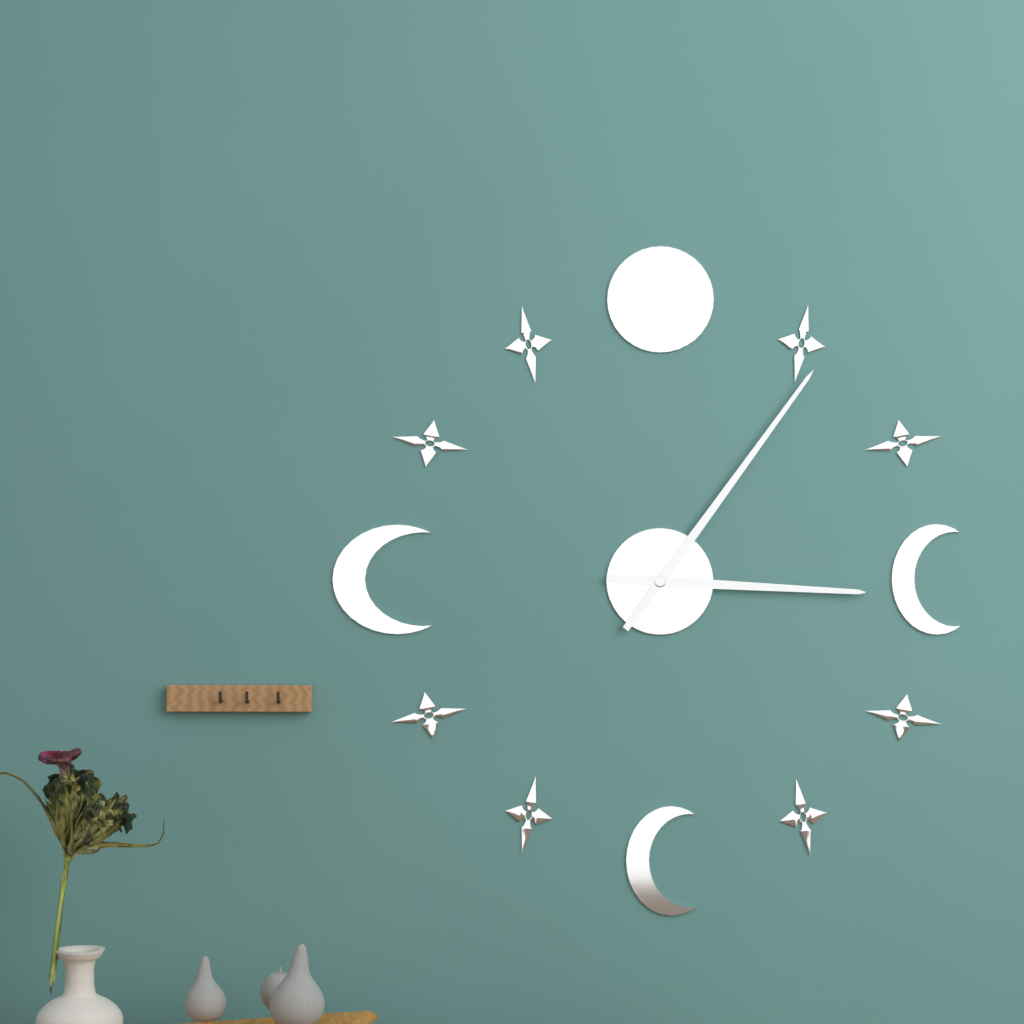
3:06
